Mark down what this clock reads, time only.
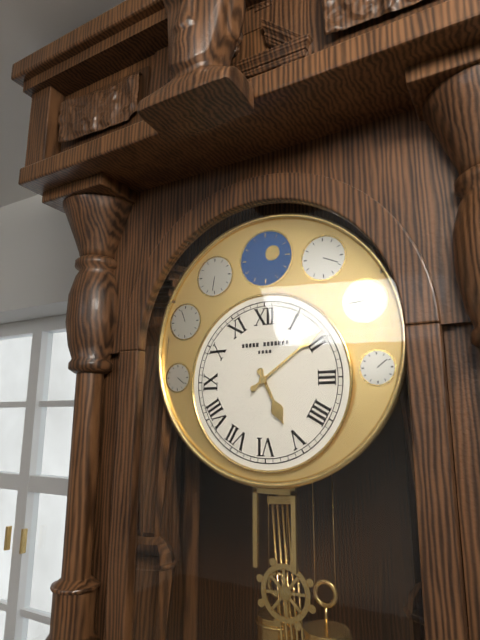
5:09
